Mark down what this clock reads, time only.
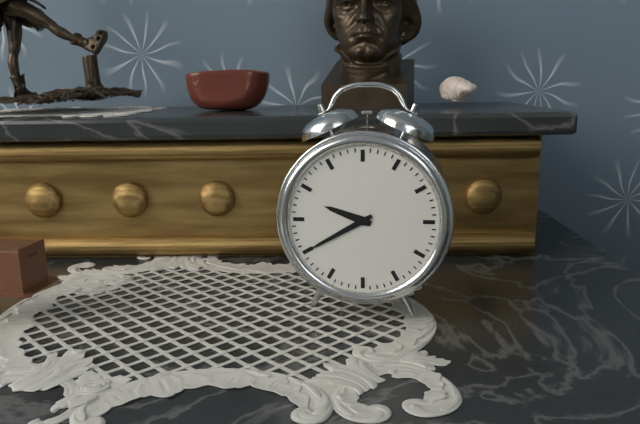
9:40
